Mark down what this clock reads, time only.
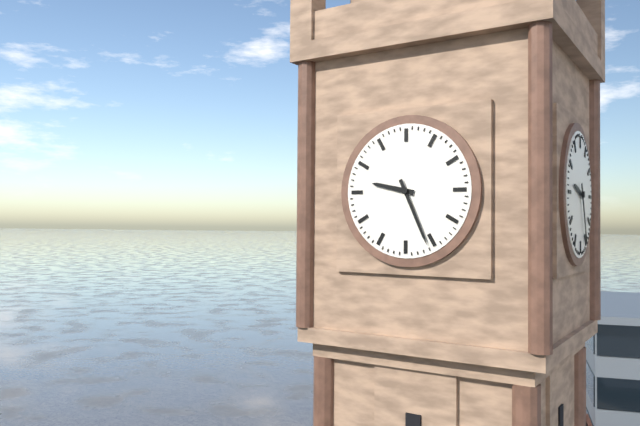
9:26
